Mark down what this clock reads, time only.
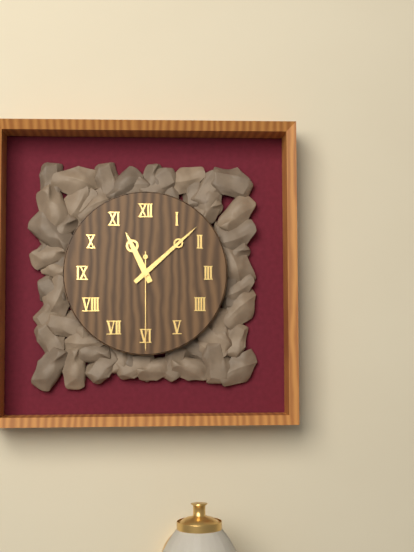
11:08:30
